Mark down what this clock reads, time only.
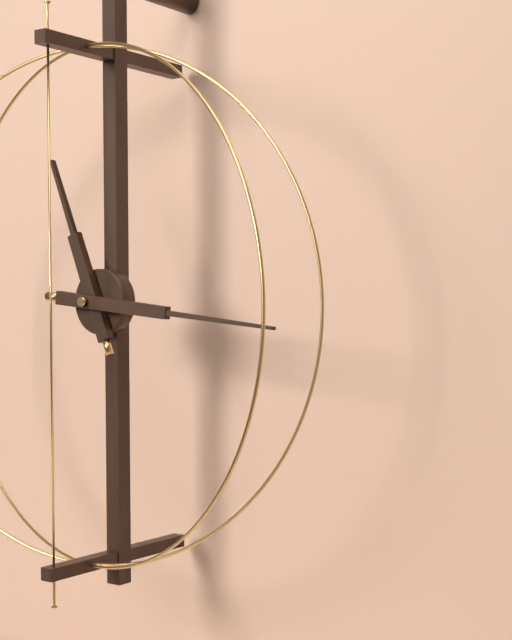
11:16
